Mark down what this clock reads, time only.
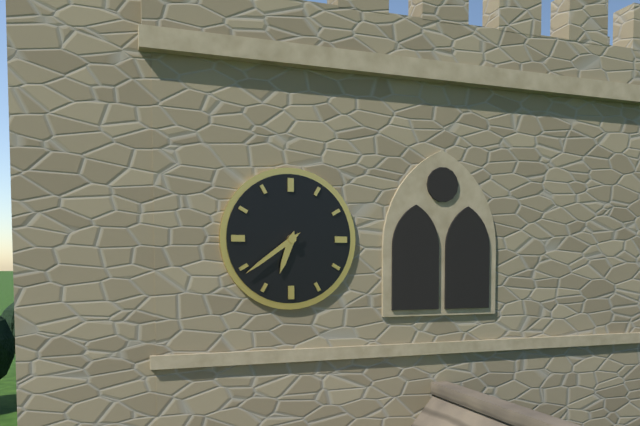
6:39
